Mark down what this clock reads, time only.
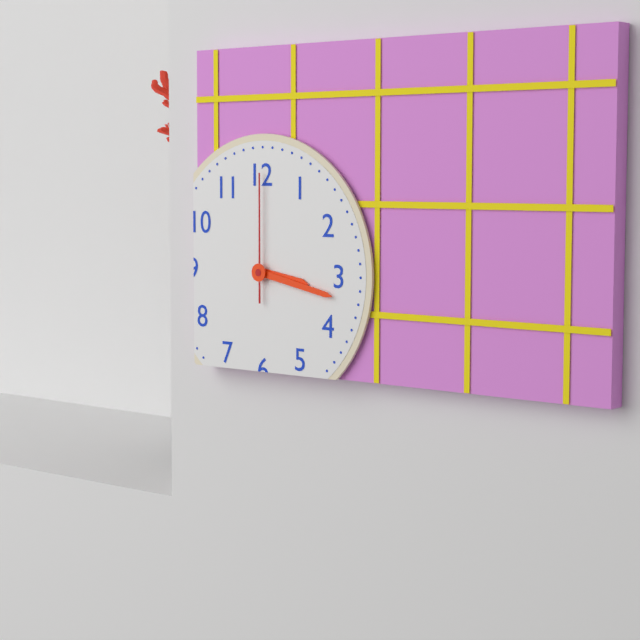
3:17:00
